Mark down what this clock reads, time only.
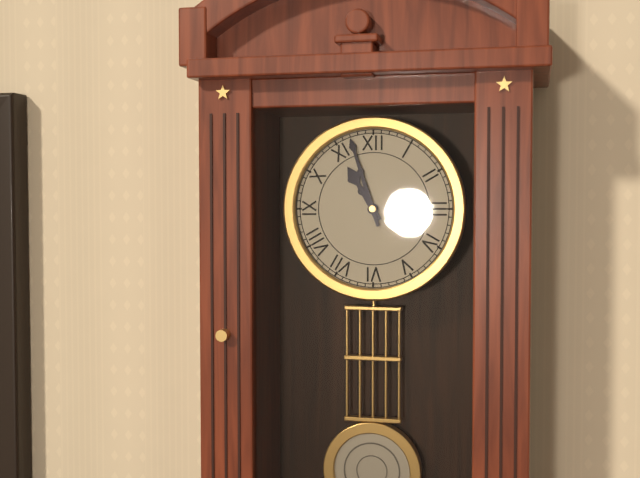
10:57
